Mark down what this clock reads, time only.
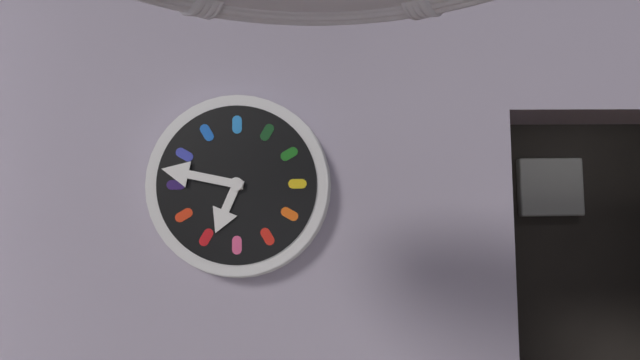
6:47
